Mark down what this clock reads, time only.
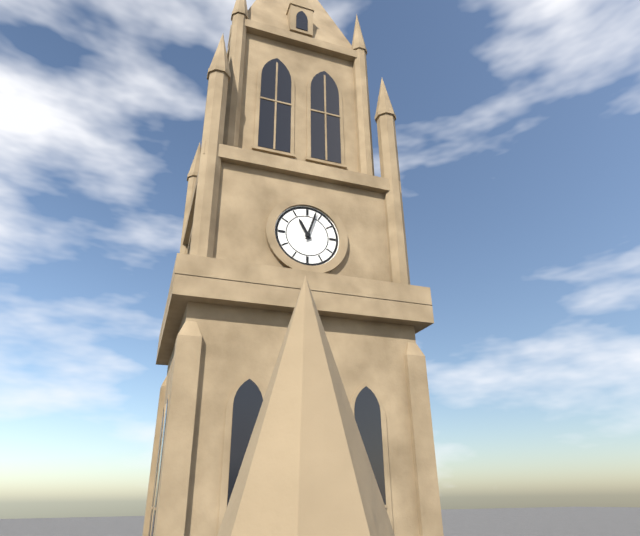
11:03
